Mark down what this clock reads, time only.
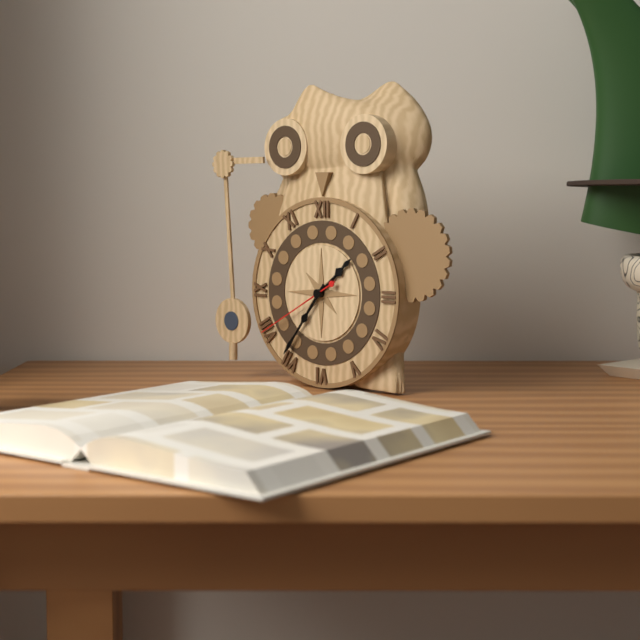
1:36:40
